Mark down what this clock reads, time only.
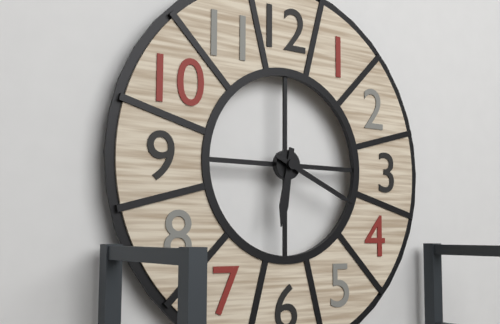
6:19
